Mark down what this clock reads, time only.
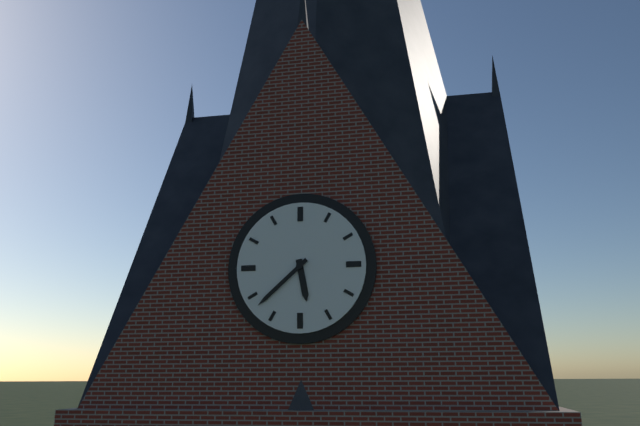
5:38
